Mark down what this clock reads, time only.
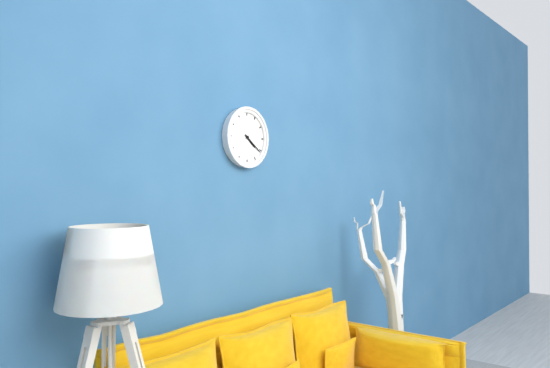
4:21
